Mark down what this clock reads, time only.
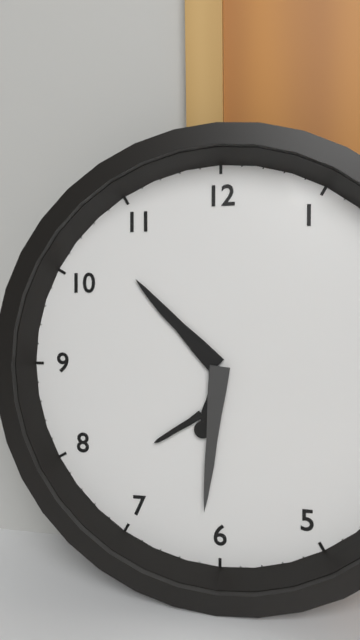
10:31
